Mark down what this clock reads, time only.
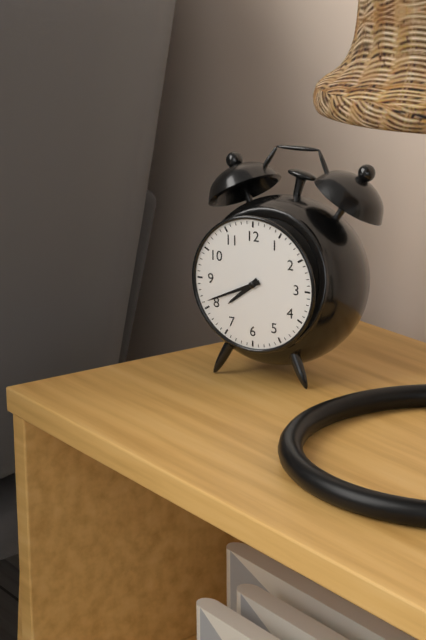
7:41
